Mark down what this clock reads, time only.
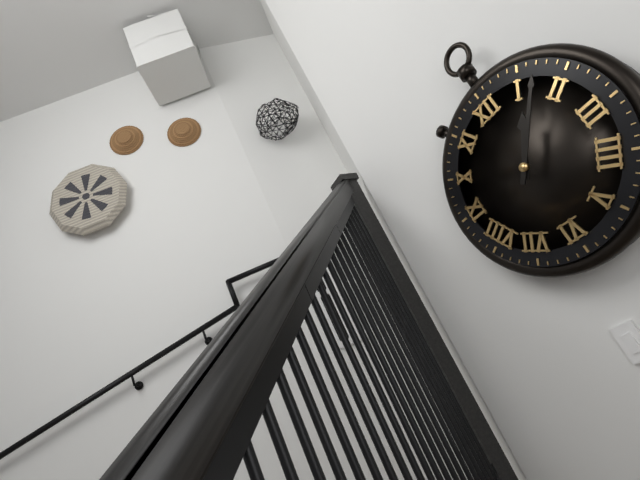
1:07
